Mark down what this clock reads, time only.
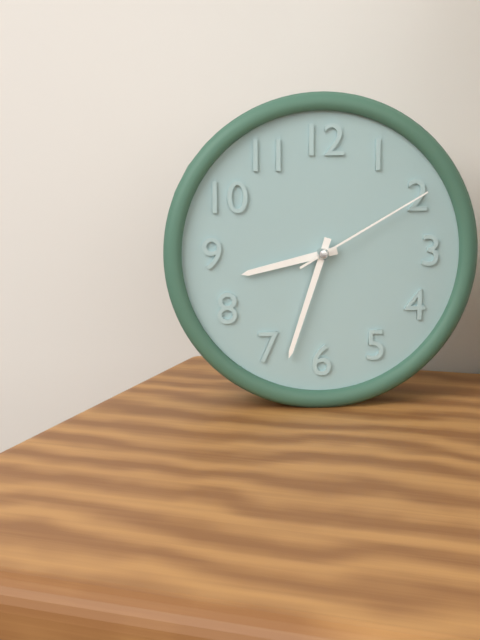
8:33:10
